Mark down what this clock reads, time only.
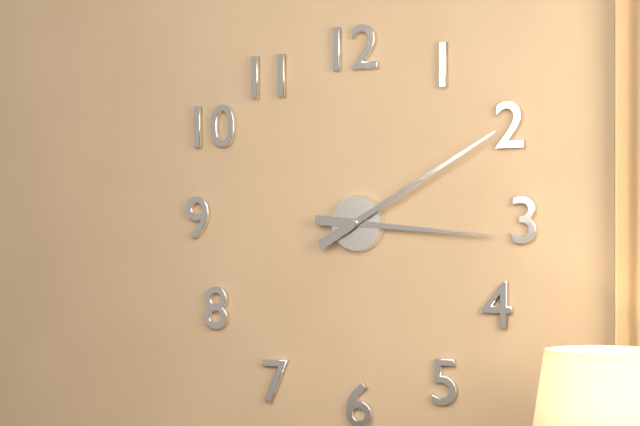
3:10
